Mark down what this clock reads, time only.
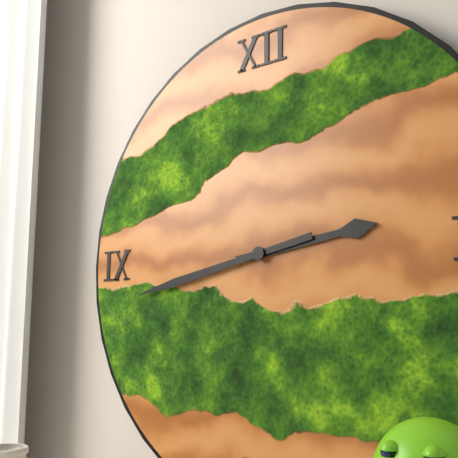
2:43
